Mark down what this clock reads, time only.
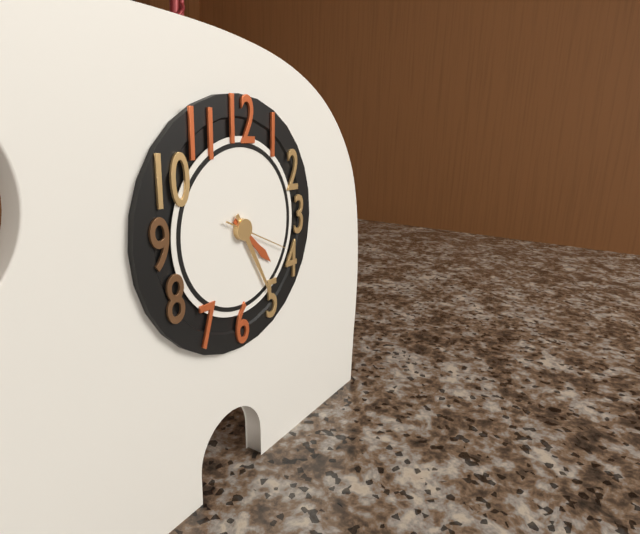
4:25:19
